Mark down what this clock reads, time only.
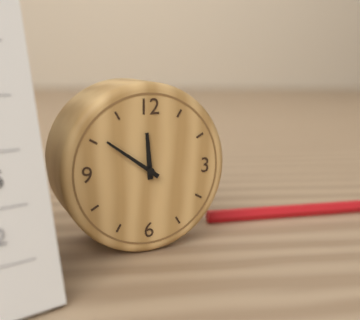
11:51
